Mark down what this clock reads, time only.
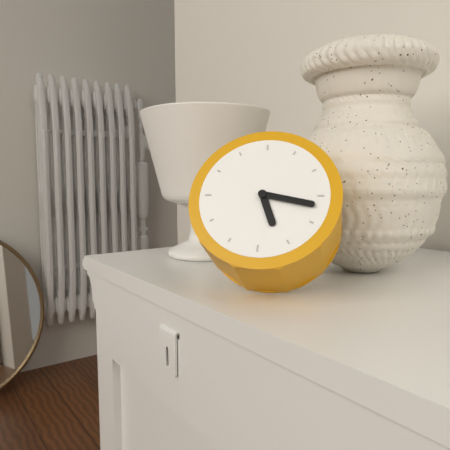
5:17
